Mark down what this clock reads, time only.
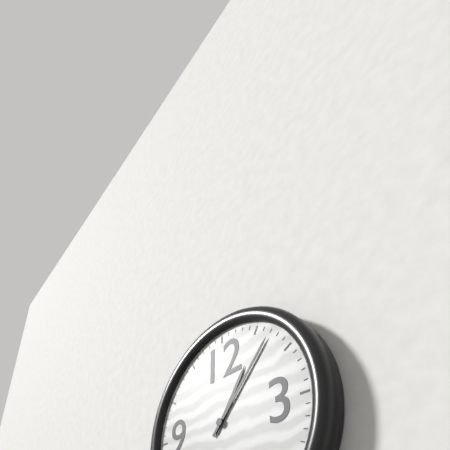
1:07
